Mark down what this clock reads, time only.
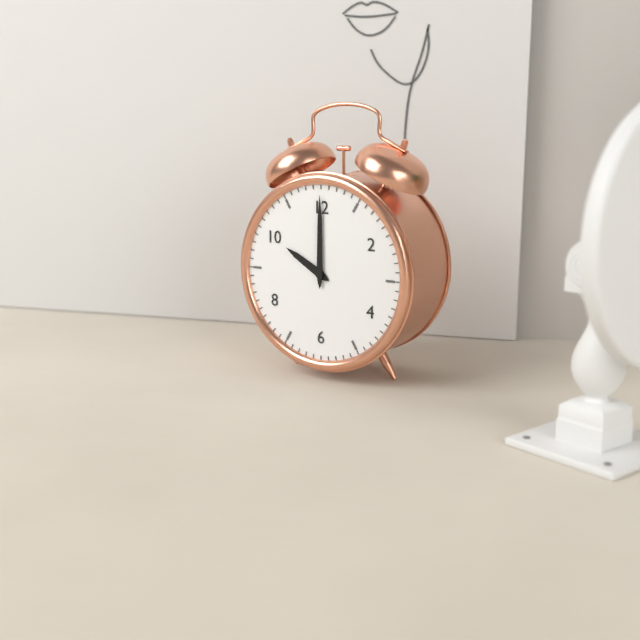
10:00
